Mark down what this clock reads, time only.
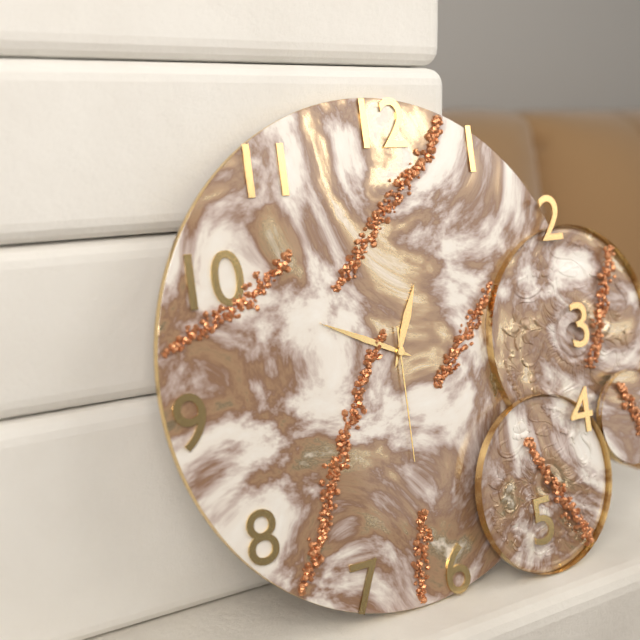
12:49:30
